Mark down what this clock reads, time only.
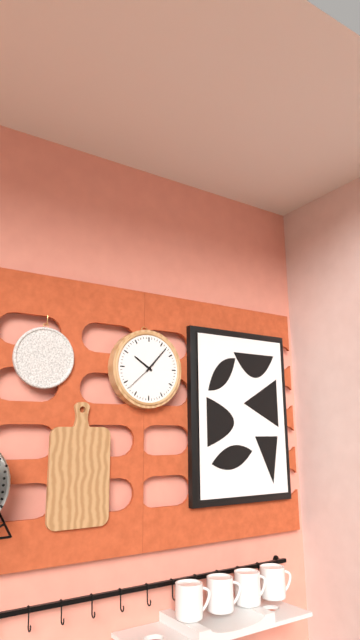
10:07
